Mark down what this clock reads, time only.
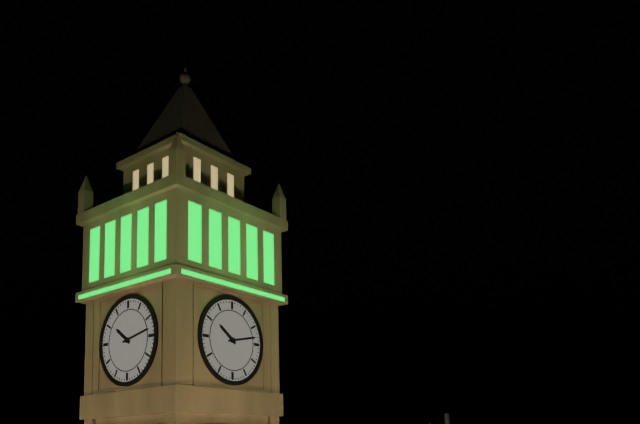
10:13
